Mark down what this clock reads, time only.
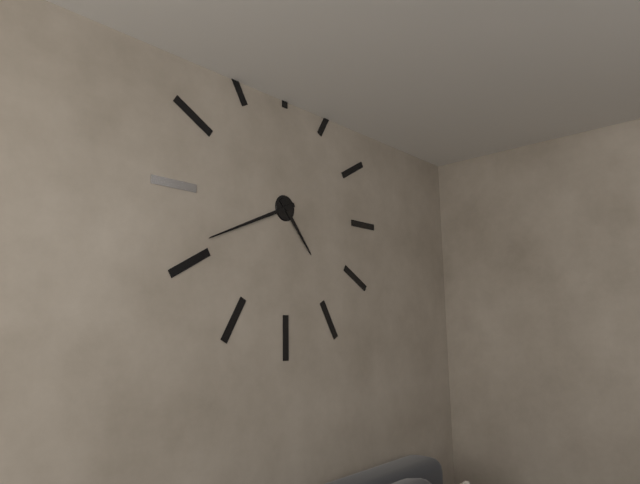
4:41
